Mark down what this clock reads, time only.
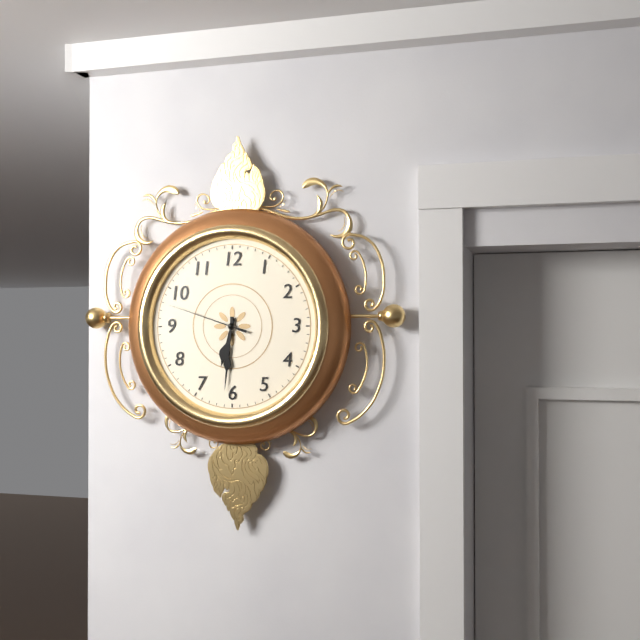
6:31:48
